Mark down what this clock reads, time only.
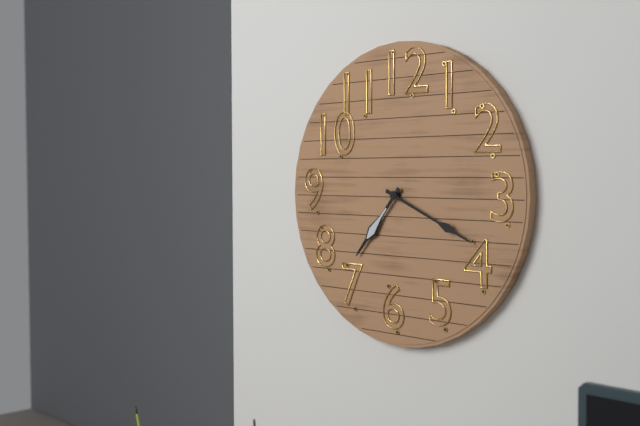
7:19
